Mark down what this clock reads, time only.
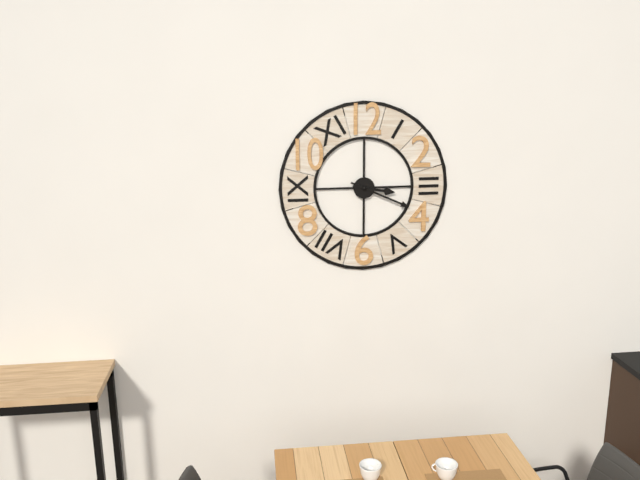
3:19
